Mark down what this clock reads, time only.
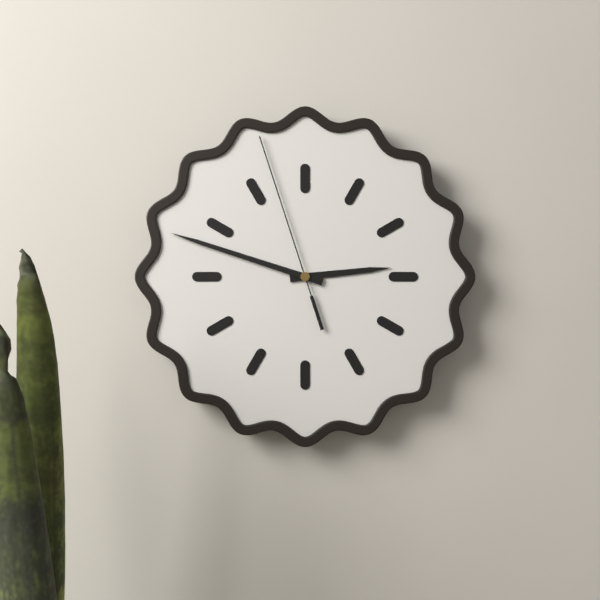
2:48:57
